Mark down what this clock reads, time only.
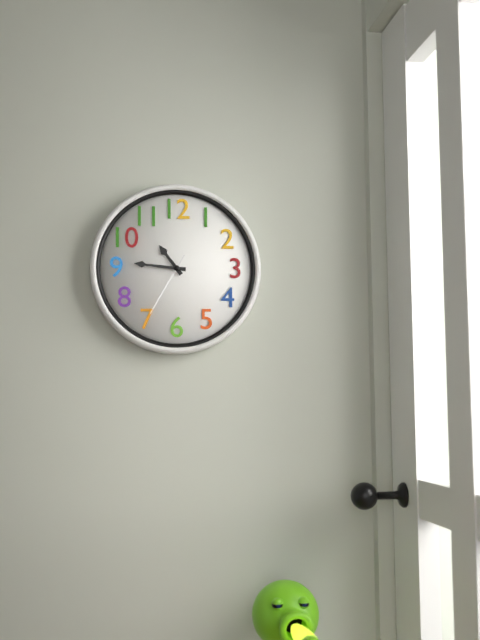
10:46:35
